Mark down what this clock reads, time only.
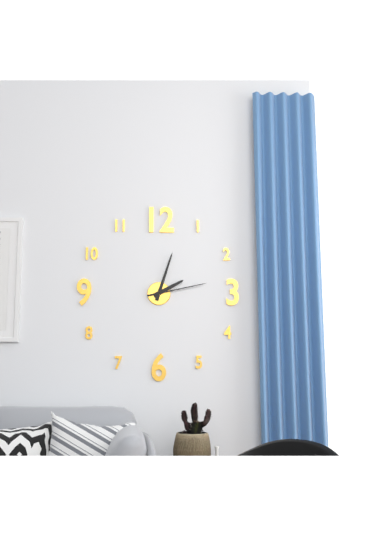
2:03:13
